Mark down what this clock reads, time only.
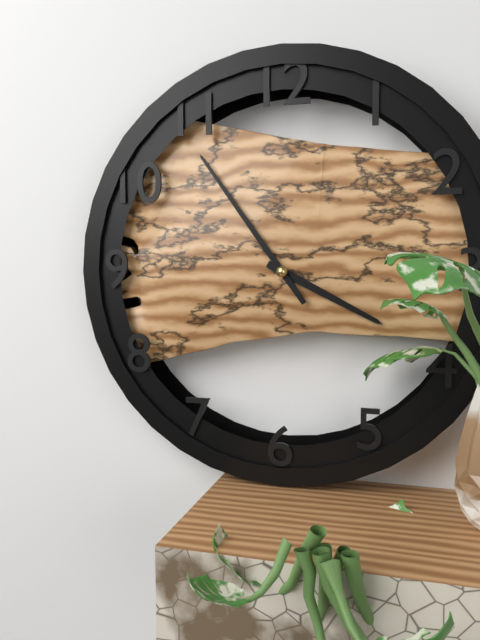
3:54
